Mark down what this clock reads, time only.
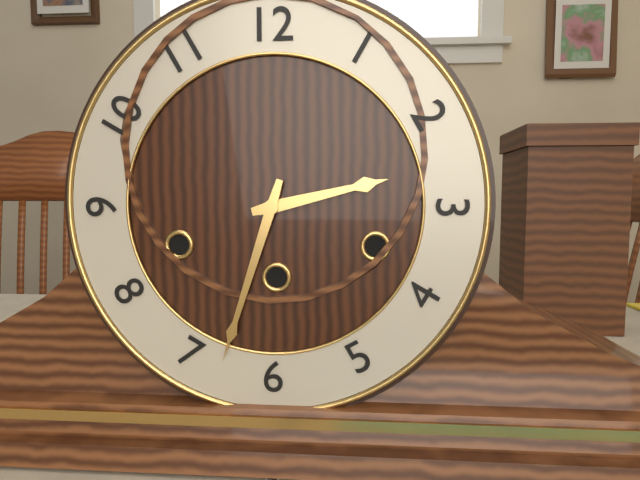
2:33
